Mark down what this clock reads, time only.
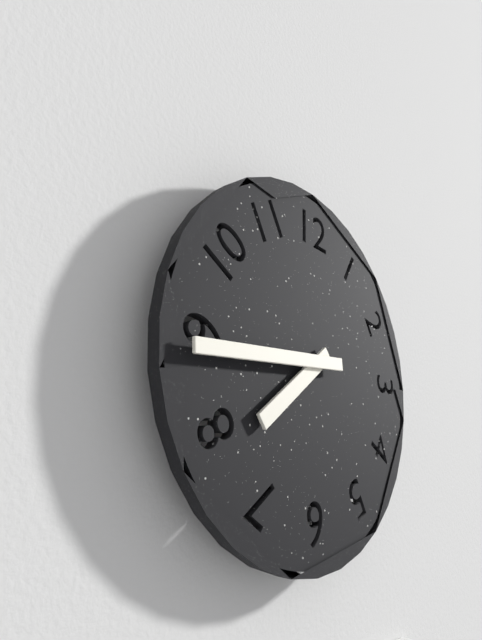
7:44
